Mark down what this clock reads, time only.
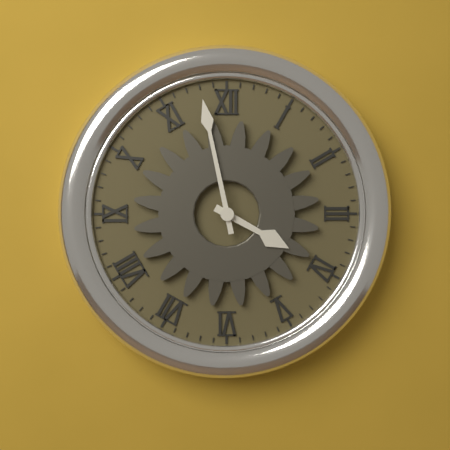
3:58
